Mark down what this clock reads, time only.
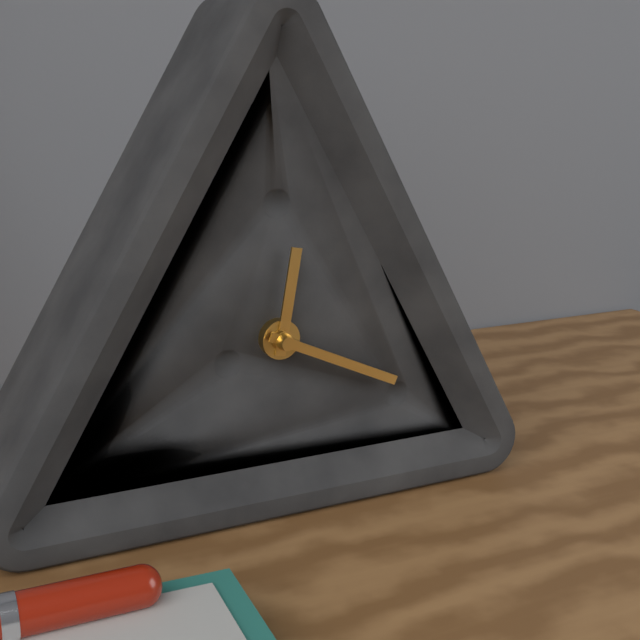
12:19
